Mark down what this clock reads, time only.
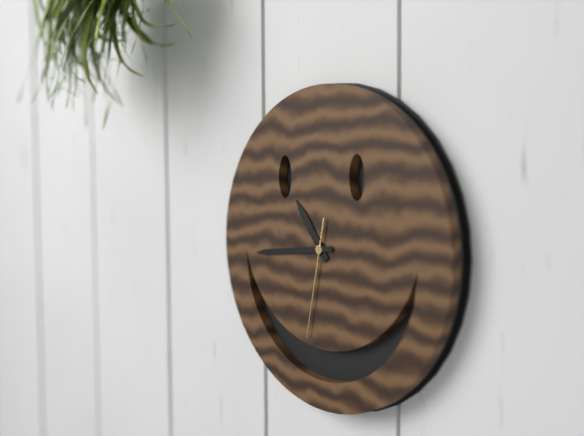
10:44:32
